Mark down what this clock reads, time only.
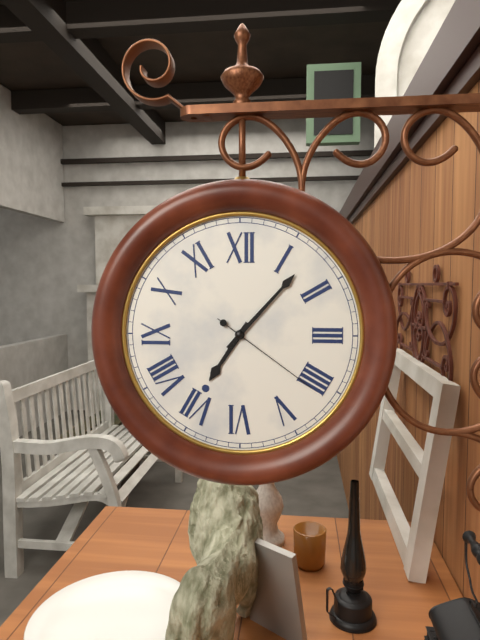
7:07:21
